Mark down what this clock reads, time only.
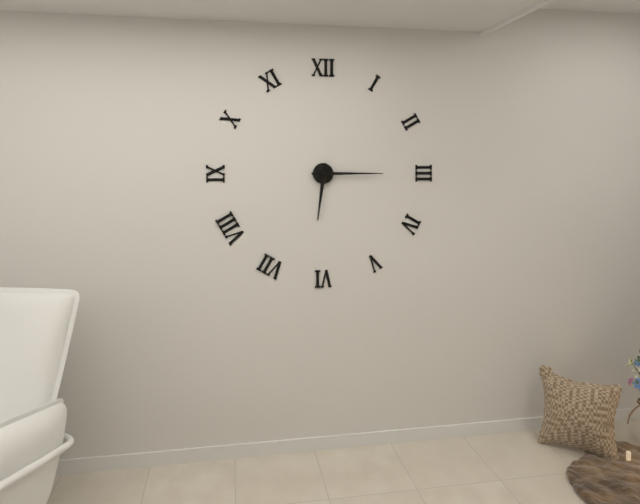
6:15
